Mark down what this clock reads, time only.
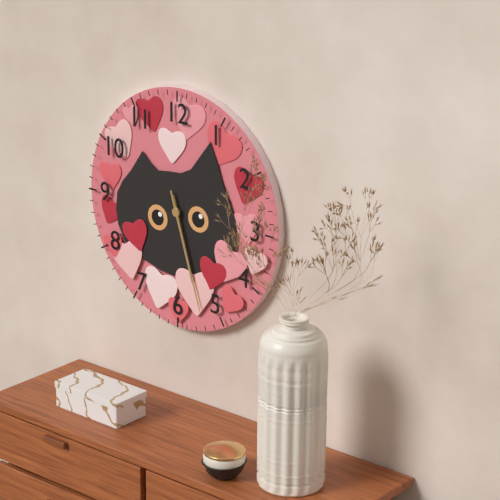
5:27
